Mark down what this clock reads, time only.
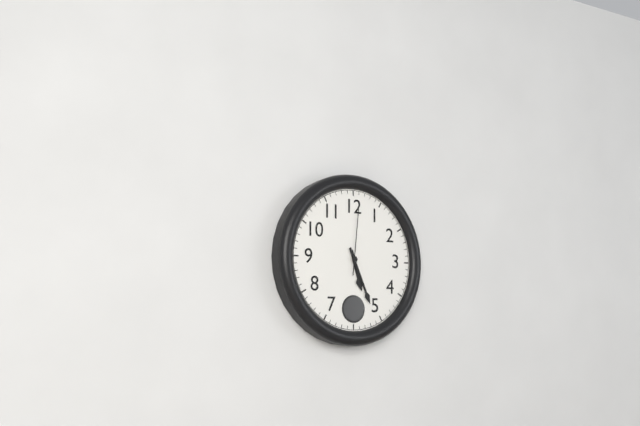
5:26:01
